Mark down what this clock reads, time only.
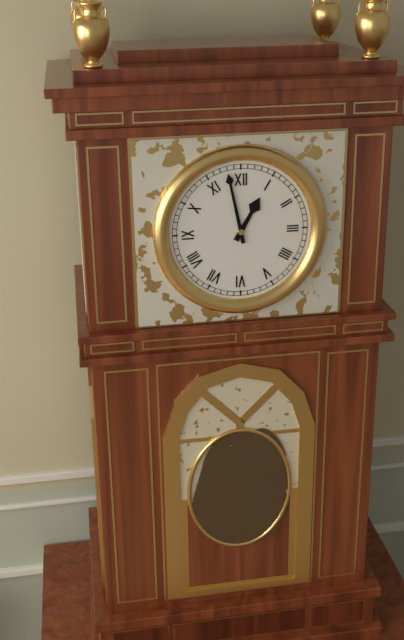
12:58
